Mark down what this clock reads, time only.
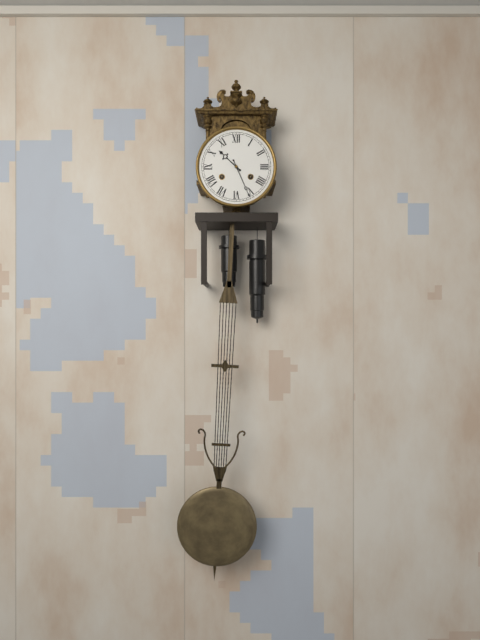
10:26
